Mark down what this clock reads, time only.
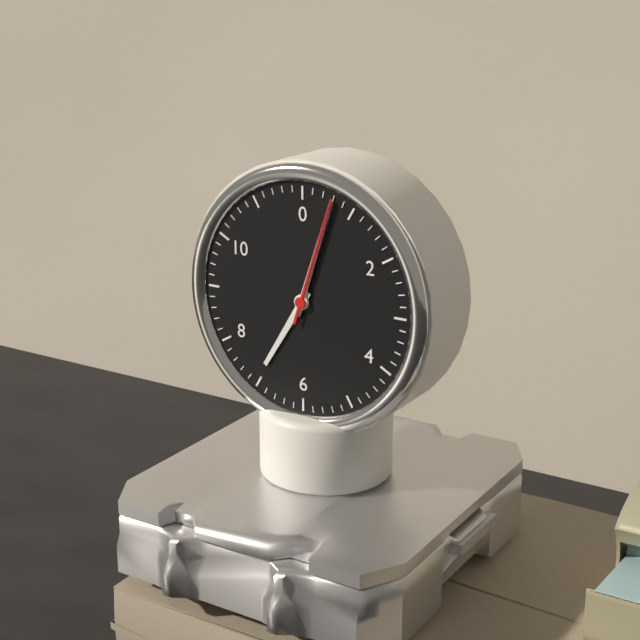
7:03:03
